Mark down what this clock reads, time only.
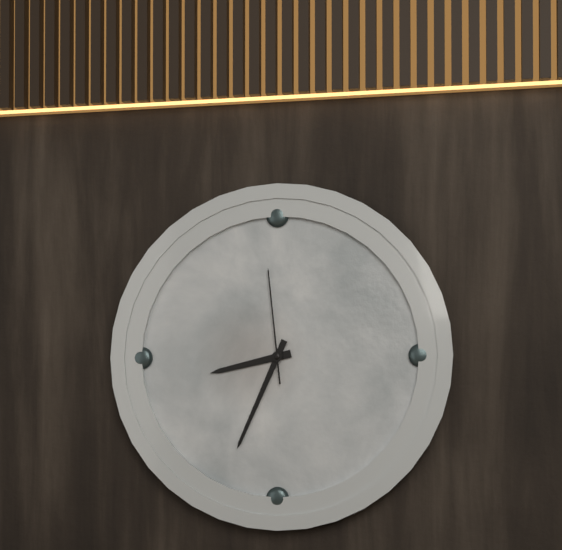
8:34:59
